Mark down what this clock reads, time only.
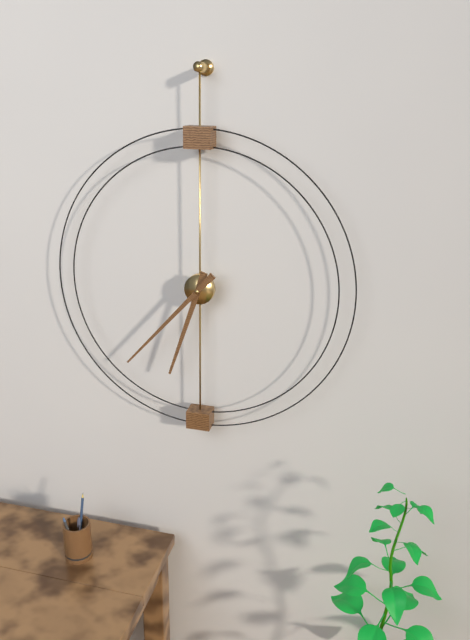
6:37
